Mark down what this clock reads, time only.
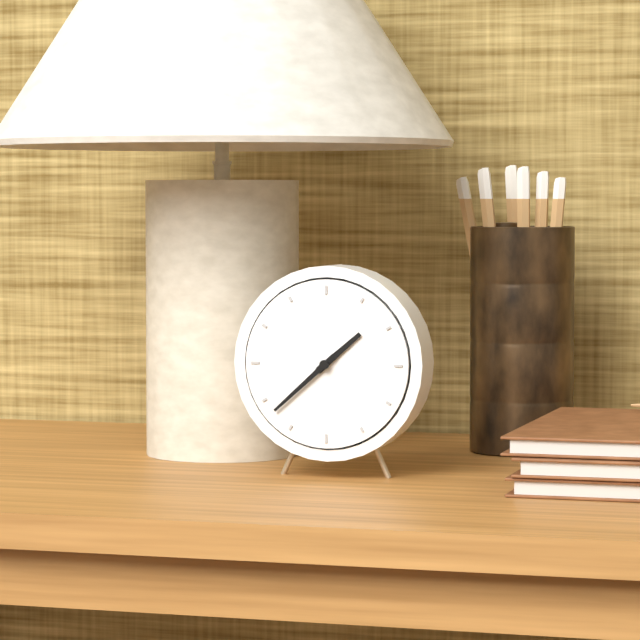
1:38
